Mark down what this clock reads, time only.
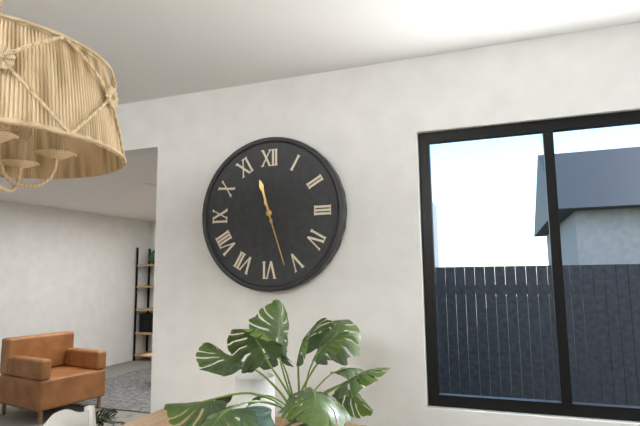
11:27
